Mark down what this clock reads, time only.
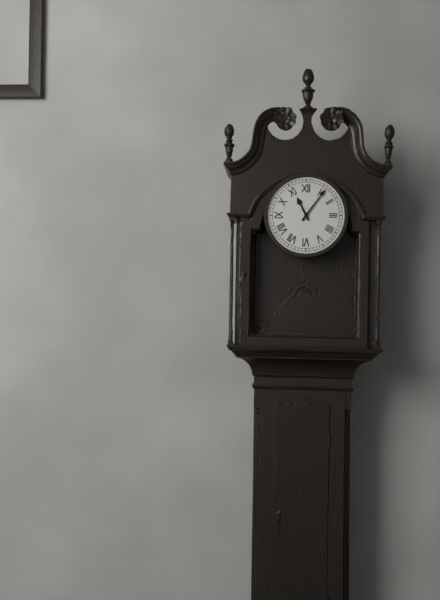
11:06
